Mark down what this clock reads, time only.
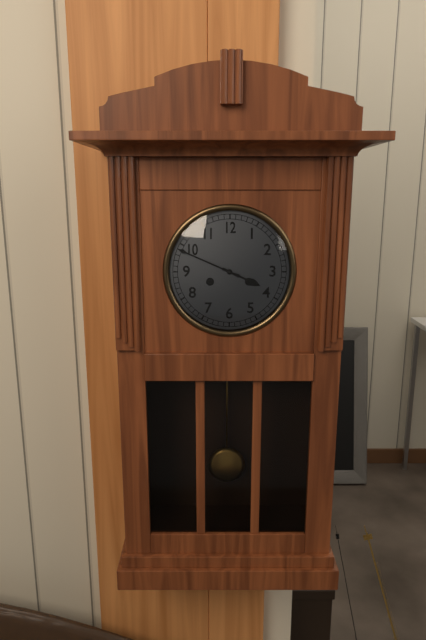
3:49
